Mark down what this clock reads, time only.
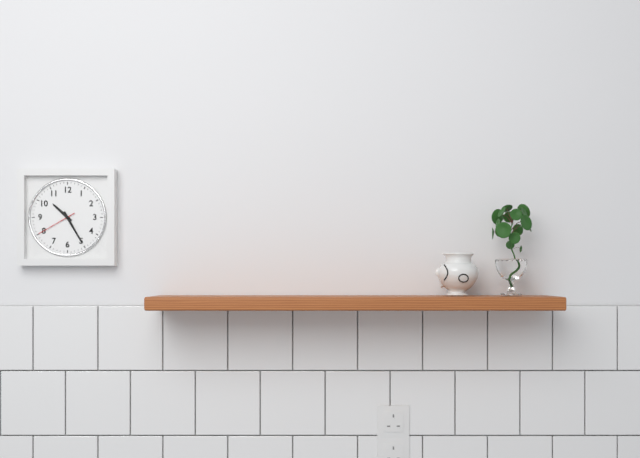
10:25
